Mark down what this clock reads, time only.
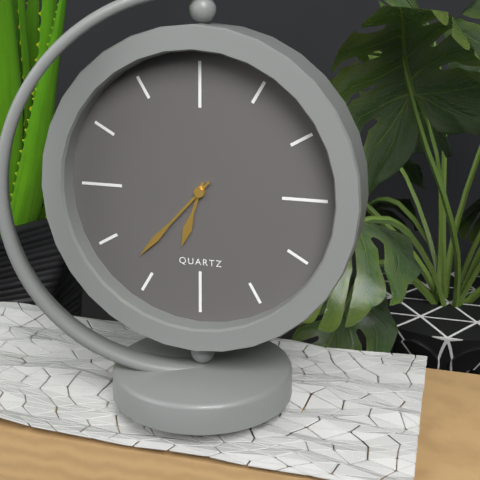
6:37
